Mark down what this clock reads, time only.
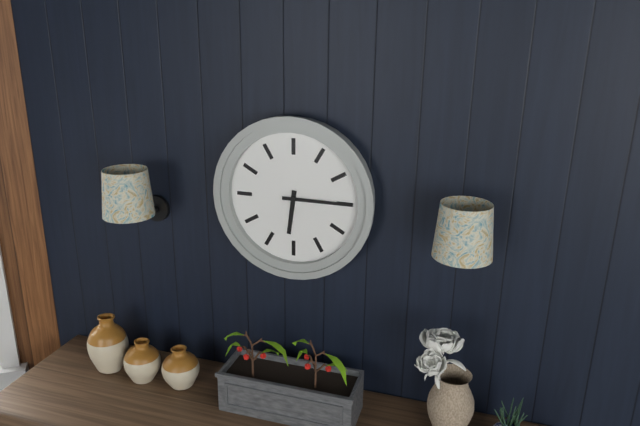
6:15
